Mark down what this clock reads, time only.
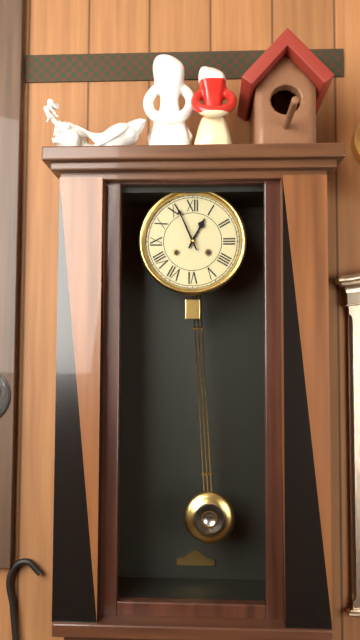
12:56
